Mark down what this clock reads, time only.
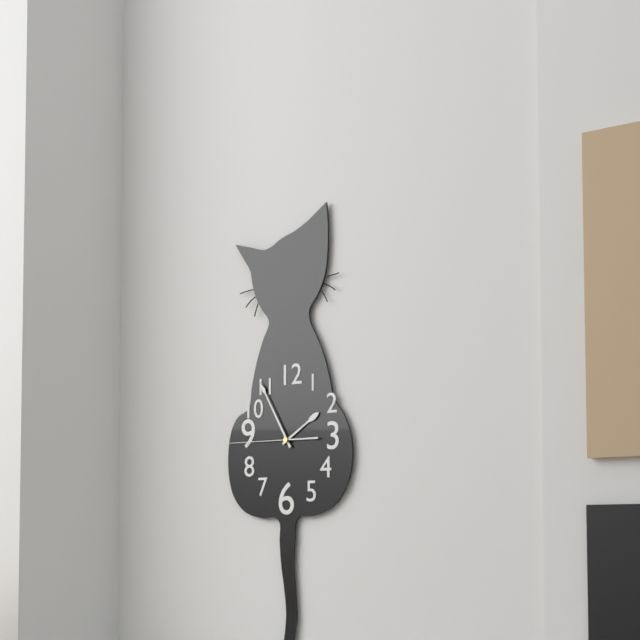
1:55:45
